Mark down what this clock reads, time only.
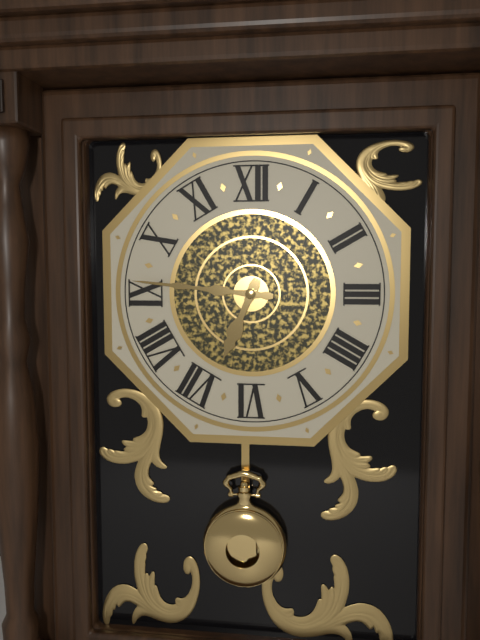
6:46
